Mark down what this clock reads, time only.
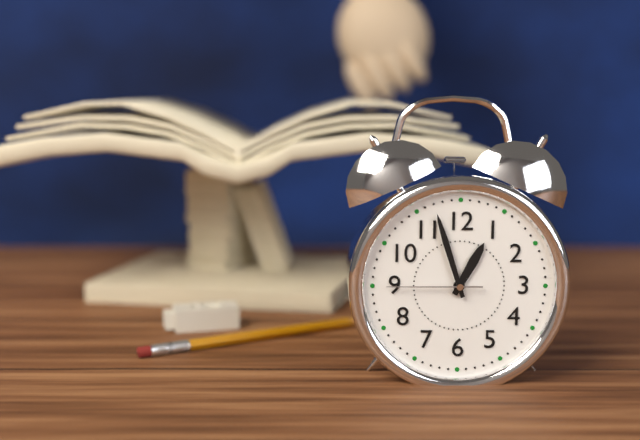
12:57:45
